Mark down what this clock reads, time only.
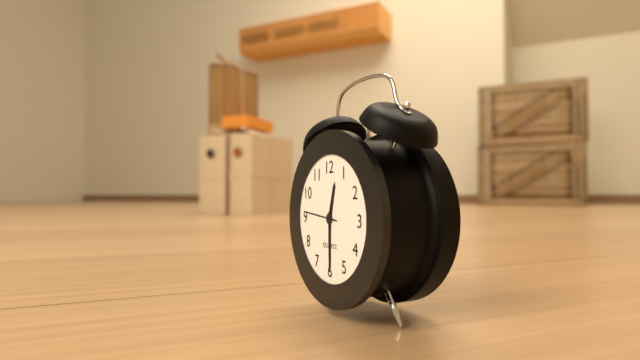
12:30
